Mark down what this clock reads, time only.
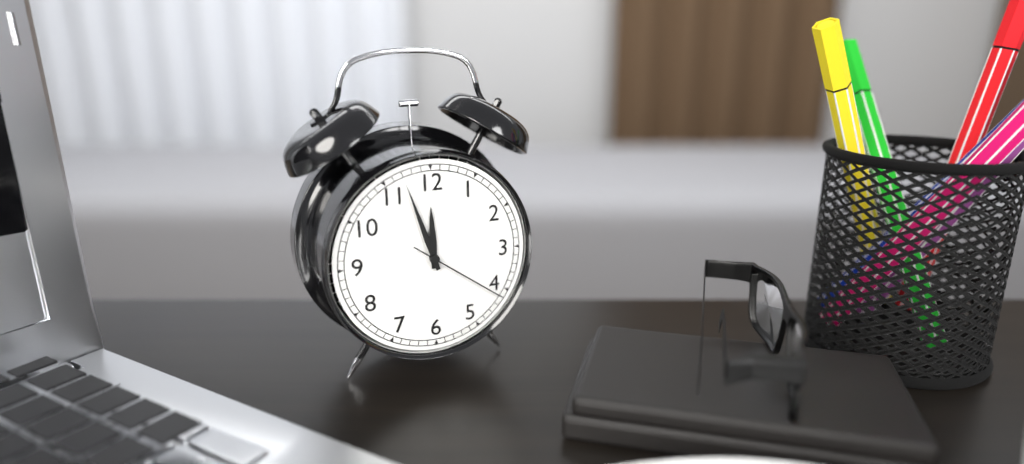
11:57:21
